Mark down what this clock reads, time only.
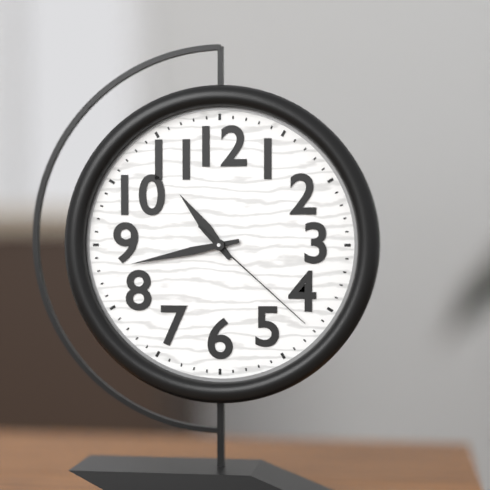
10:43:22
